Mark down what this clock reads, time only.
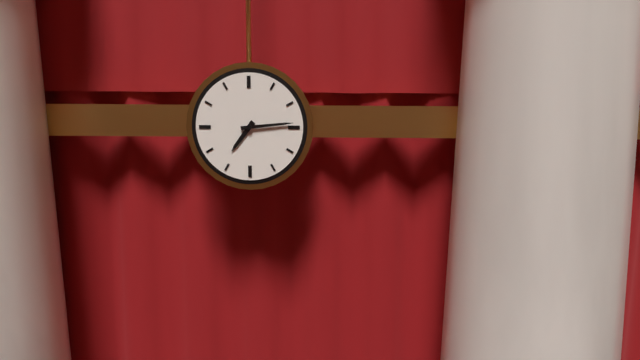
7:14
